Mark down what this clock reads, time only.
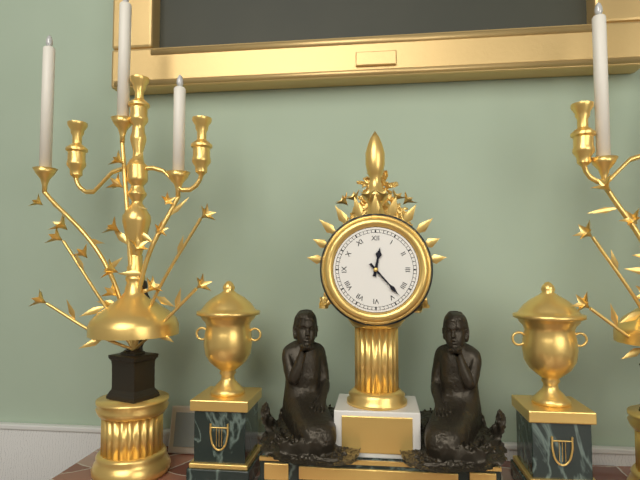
12:23
